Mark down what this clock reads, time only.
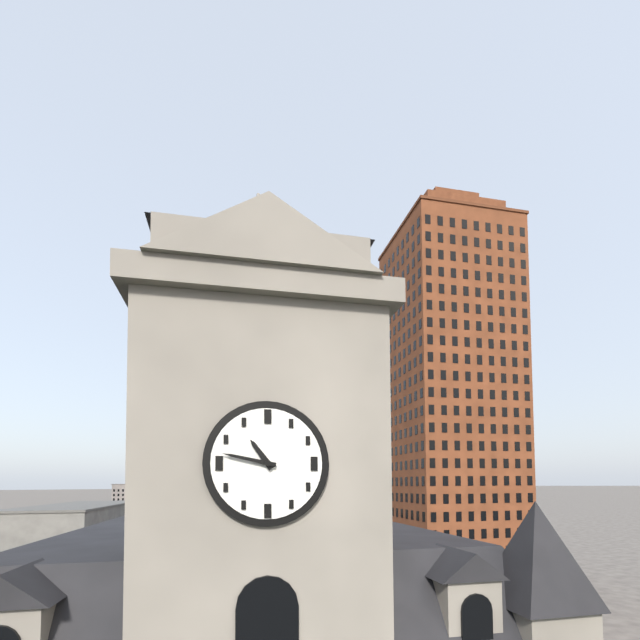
10:47
